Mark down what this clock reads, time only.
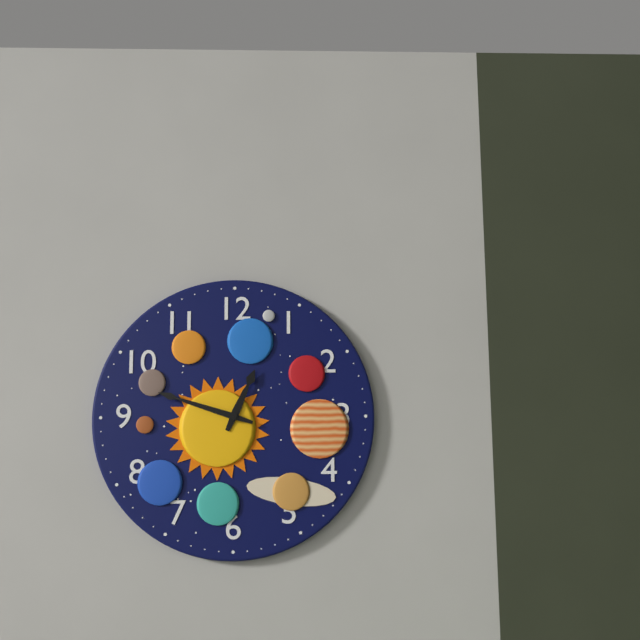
12:48
